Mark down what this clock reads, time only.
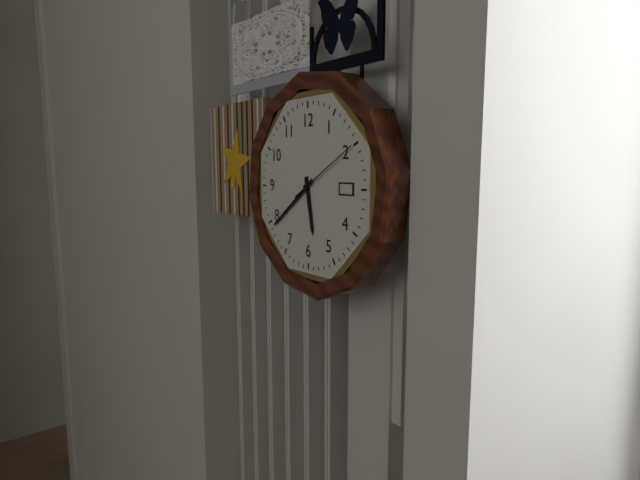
5:39:10
